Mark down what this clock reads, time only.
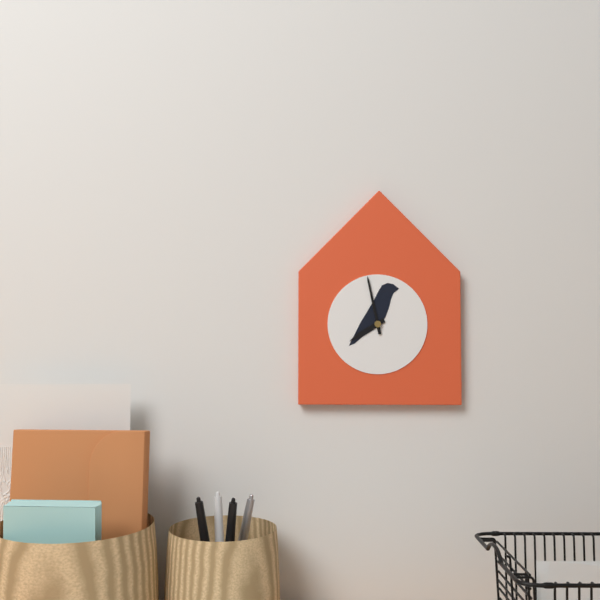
7:58
